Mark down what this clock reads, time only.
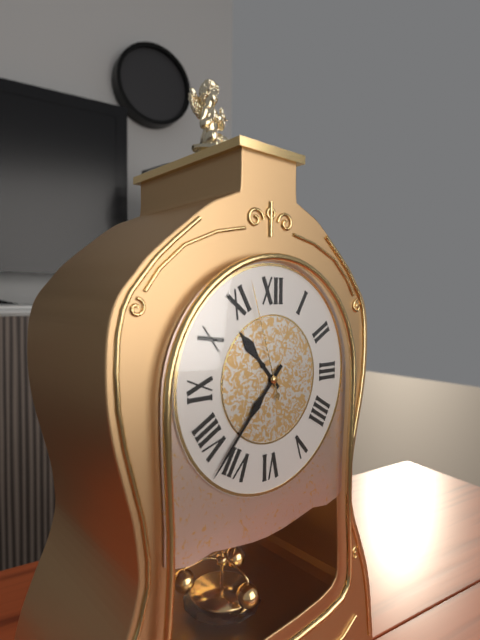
10:37:57
